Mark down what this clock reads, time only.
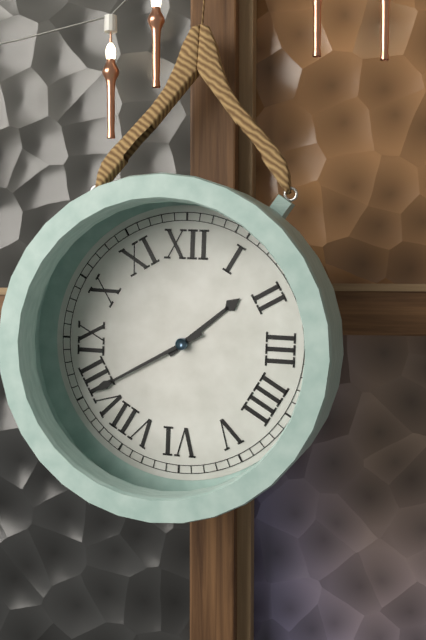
1:40
